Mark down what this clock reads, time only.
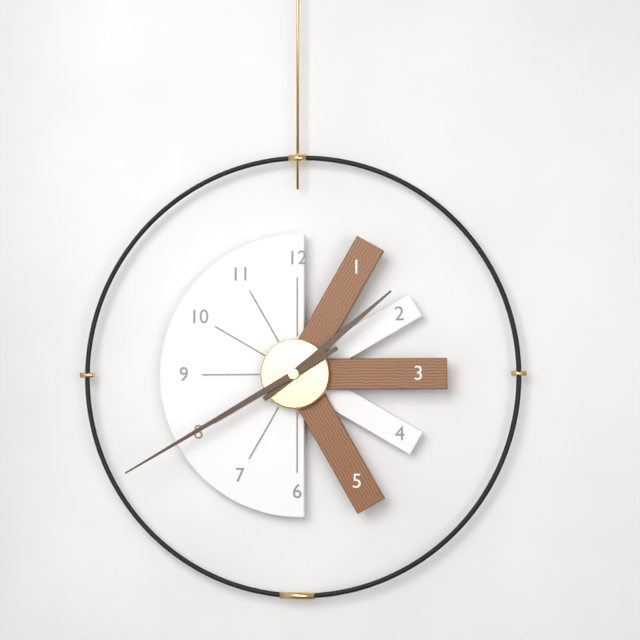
1:40
